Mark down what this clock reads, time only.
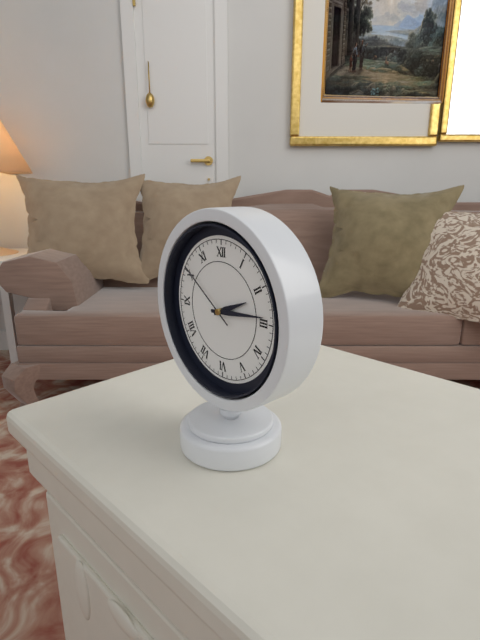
2:14:51
